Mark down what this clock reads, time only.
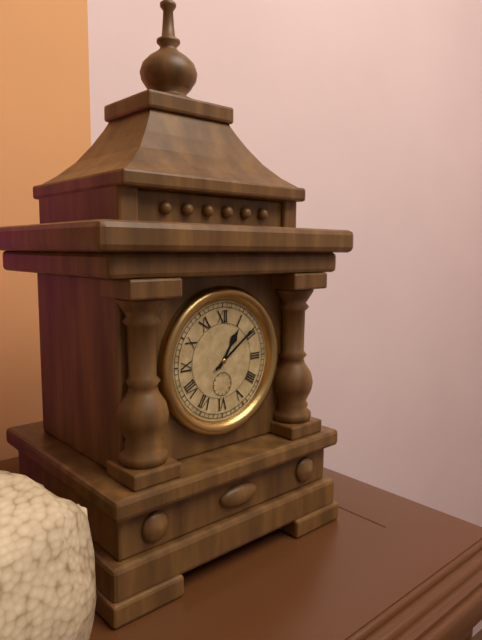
1:09
